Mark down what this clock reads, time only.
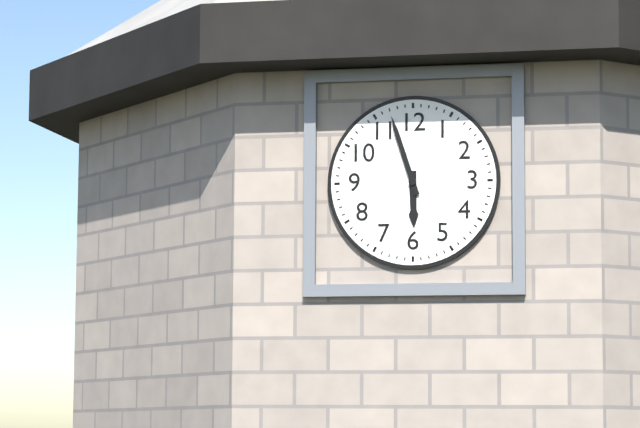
5:57
